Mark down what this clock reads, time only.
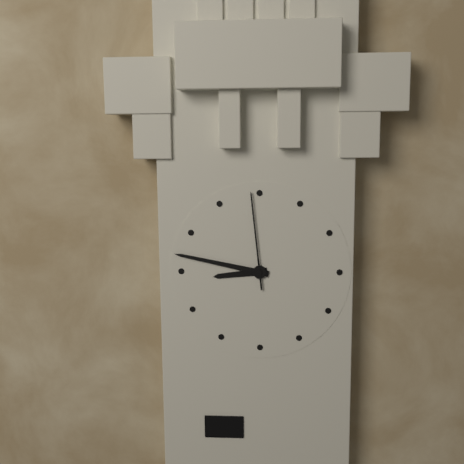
8:47:59
